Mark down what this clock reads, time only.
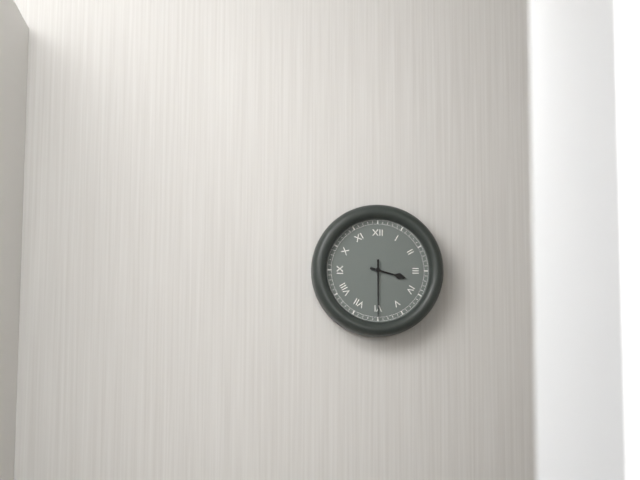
3:30
